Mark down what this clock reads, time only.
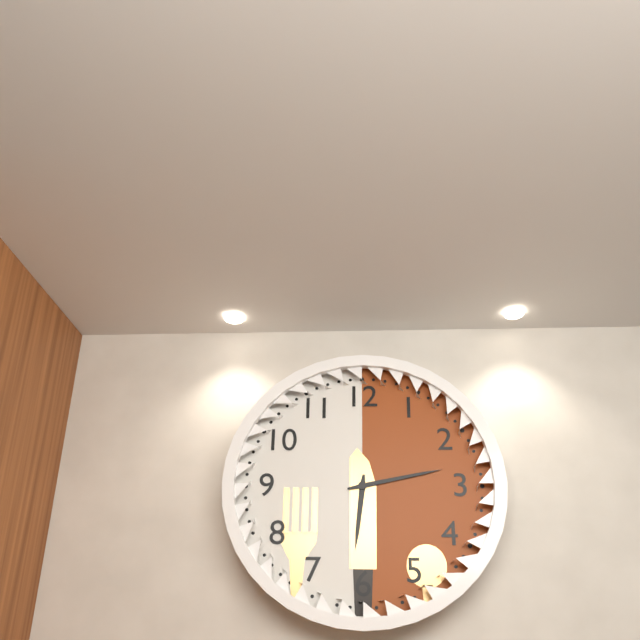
6:13
